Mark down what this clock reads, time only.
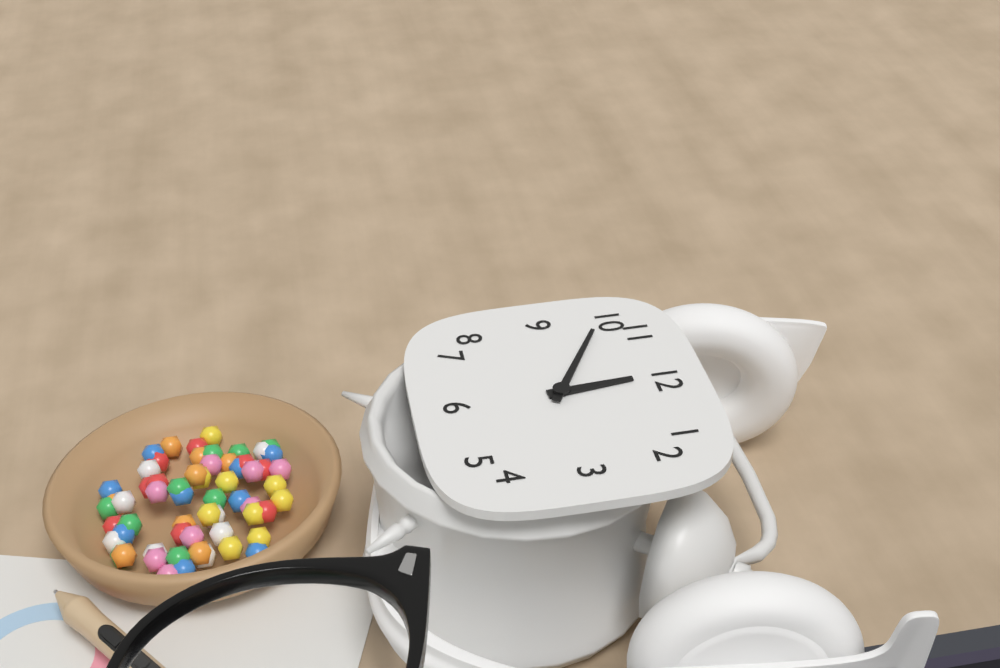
11:50
